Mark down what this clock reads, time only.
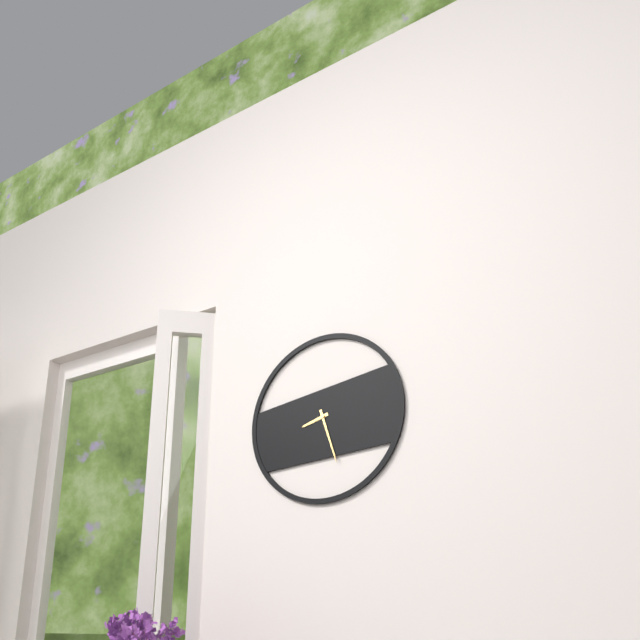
8:27
